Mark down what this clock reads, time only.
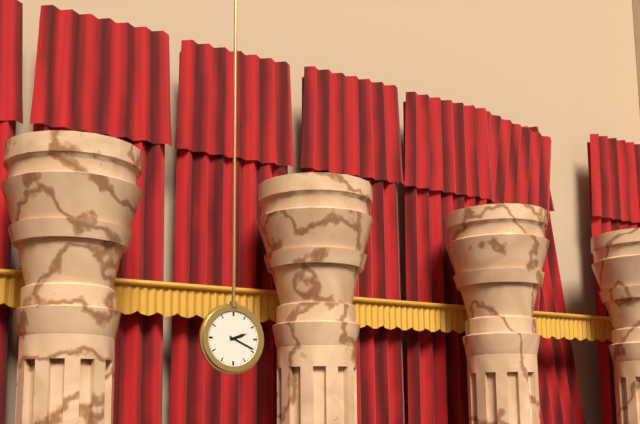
2:19
